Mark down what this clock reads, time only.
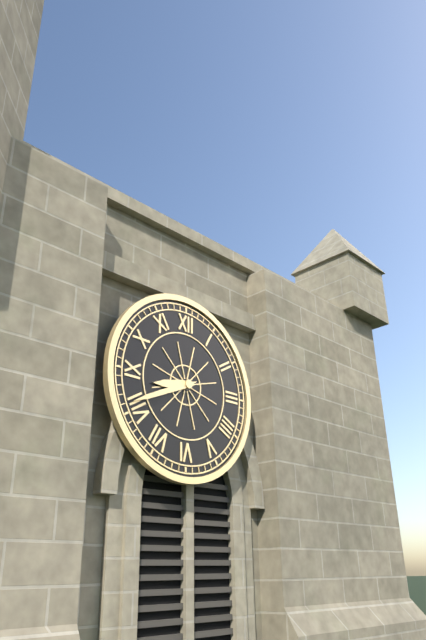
8:41
